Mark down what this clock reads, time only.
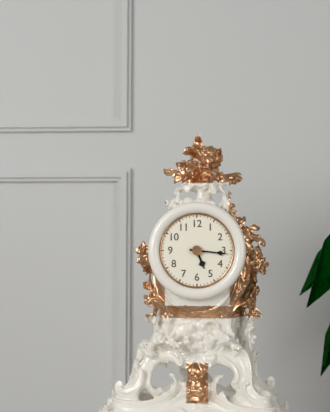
5:16
